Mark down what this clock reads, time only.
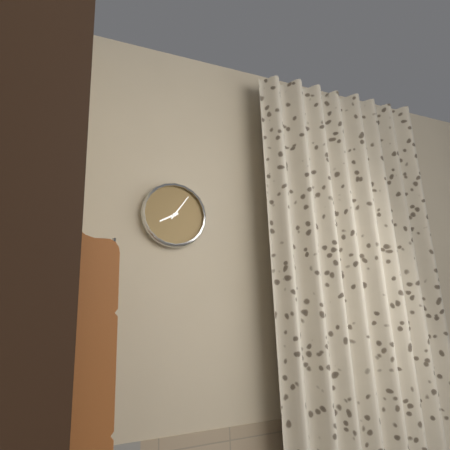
8:06
